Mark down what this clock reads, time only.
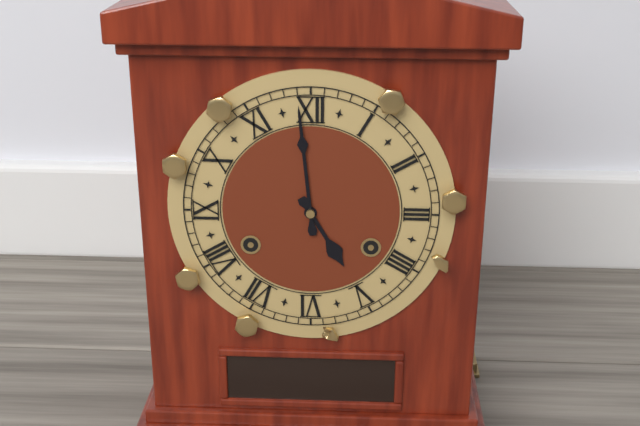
4:59
